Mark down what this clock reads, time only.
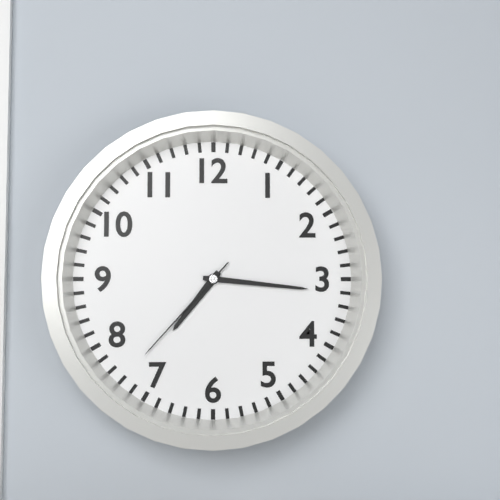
7:16:37
